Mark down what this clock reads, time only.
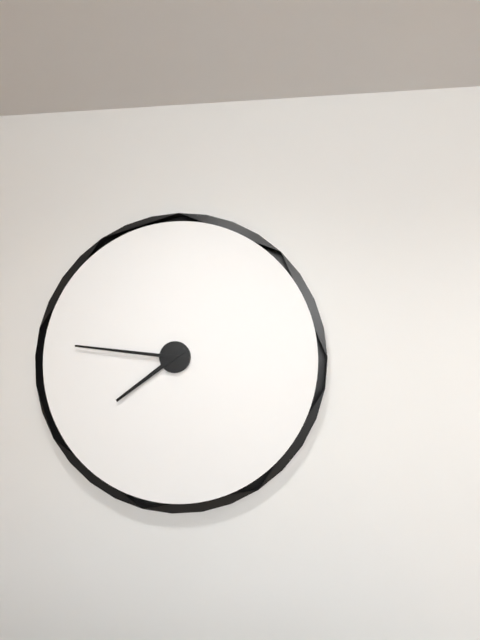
7:46
